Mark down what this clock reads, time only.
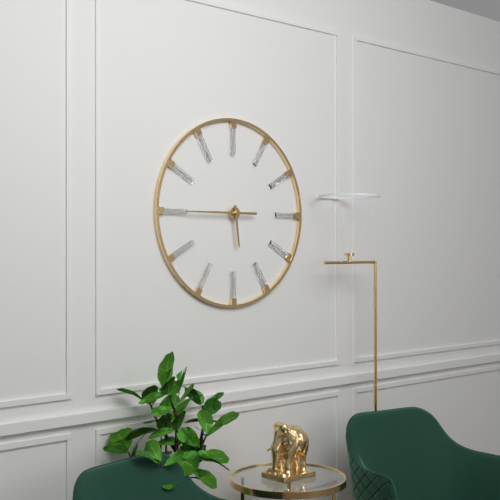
5:45
